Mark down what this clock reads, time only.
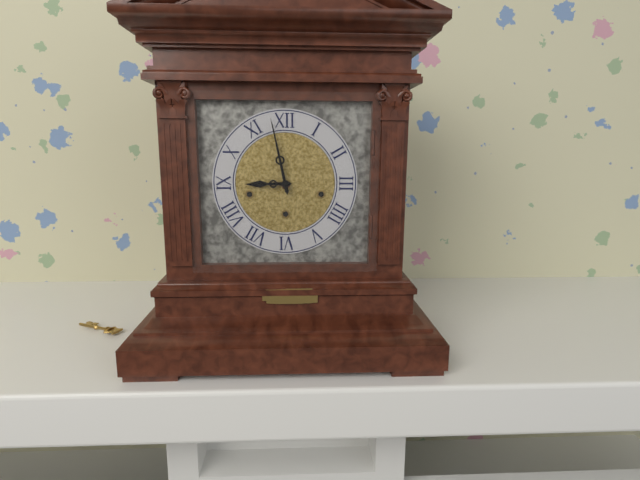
8:58
